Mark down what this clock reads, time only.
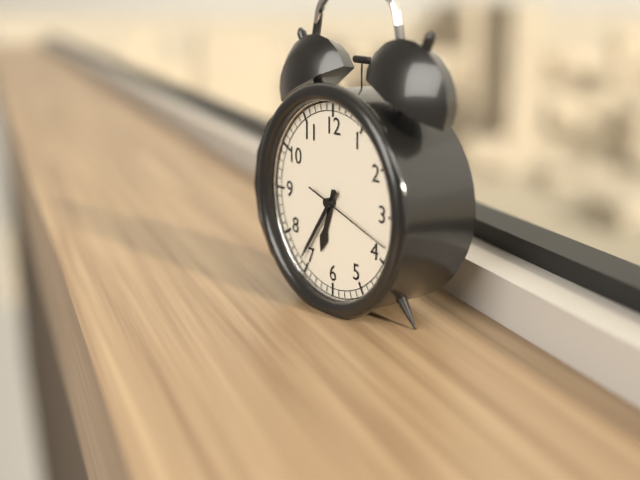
6:36:18
